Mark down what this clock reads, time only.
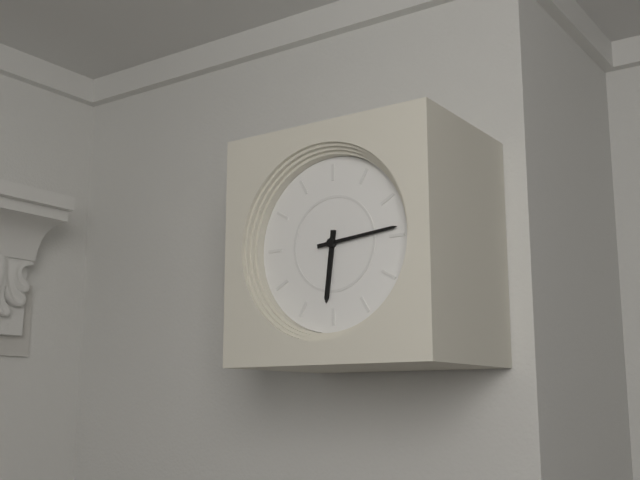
6:14
